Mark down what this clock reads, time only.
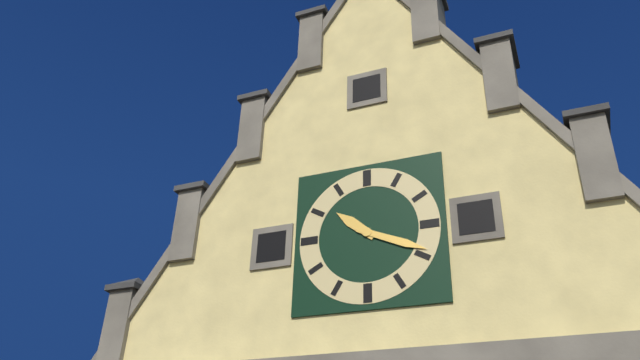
10:19
